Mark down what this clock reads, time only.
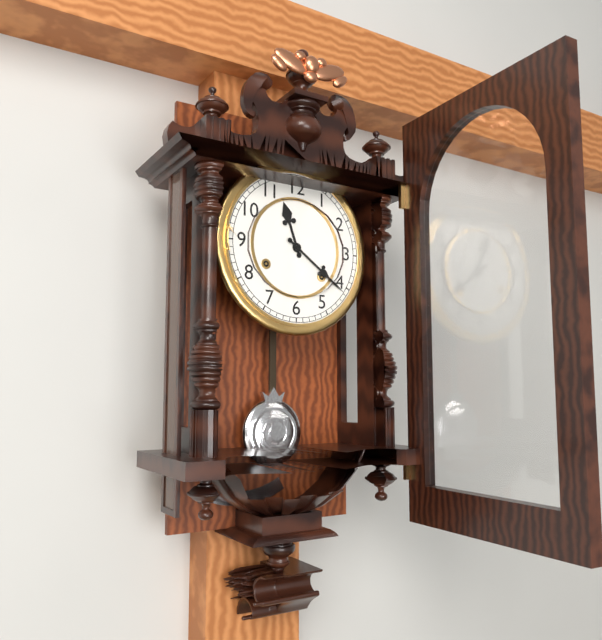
11:21
